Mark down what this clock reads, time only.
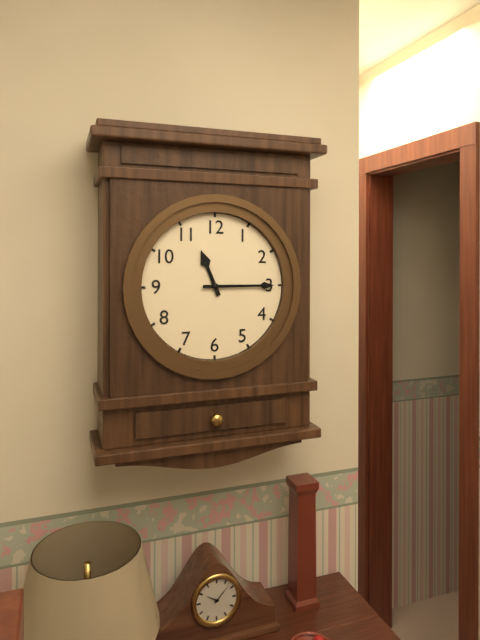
11:15
